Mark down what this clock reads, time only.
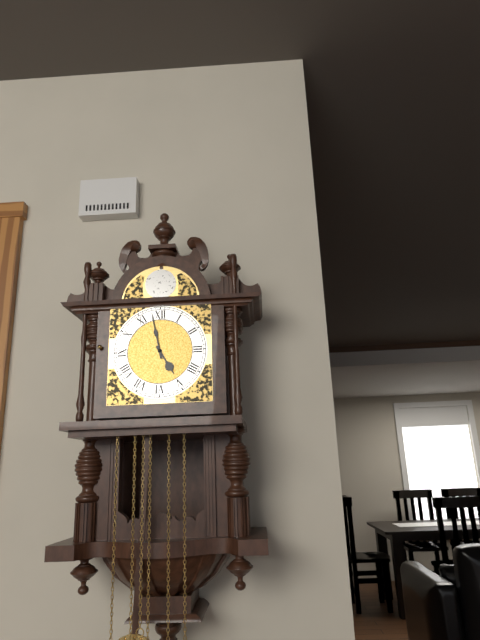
4:58
